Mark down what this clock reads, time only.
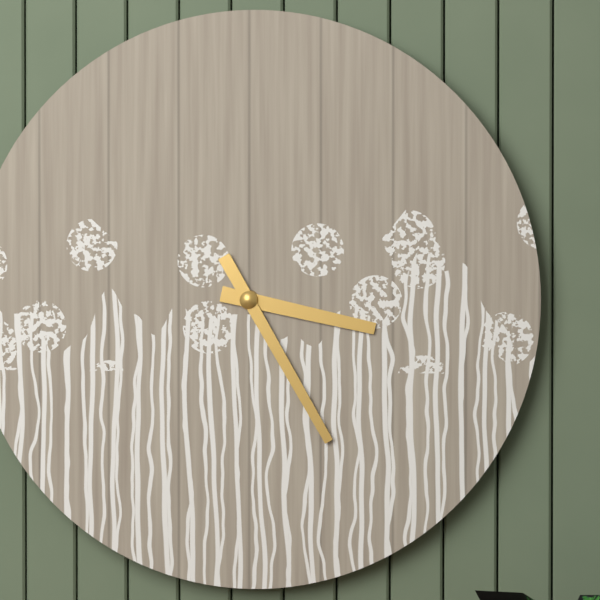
3:25
